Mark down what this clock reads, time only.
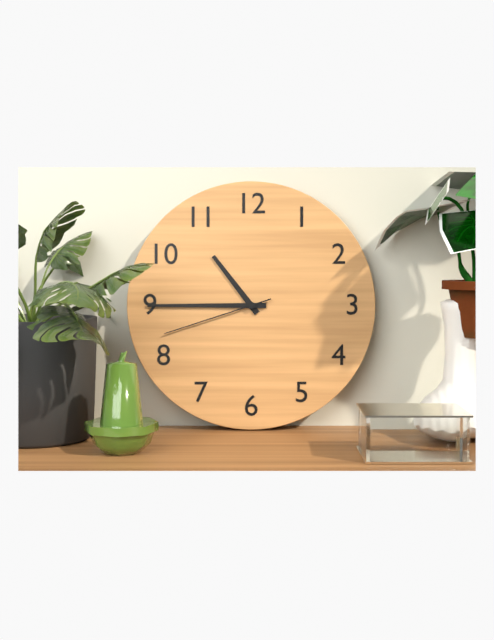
10:45:42
